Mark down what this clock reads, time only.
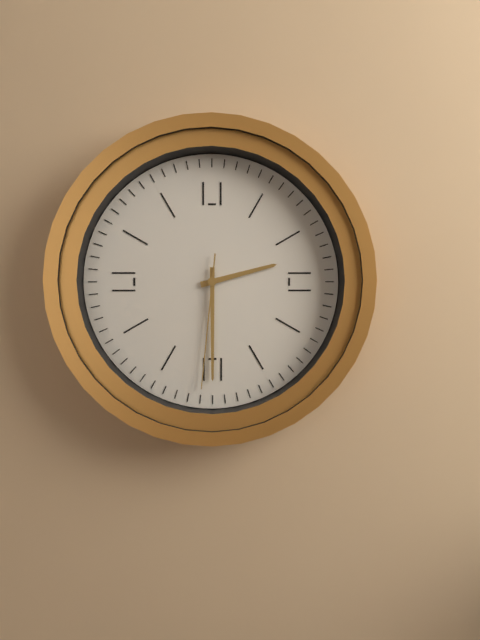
2:30:31
